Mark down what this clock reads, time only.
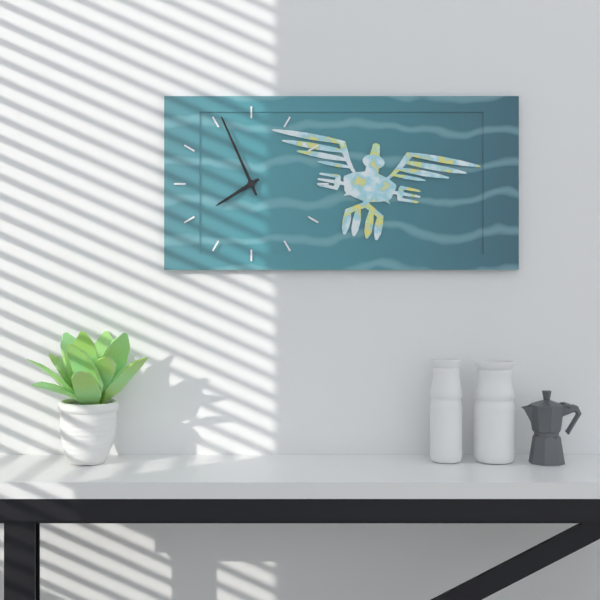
7:56
